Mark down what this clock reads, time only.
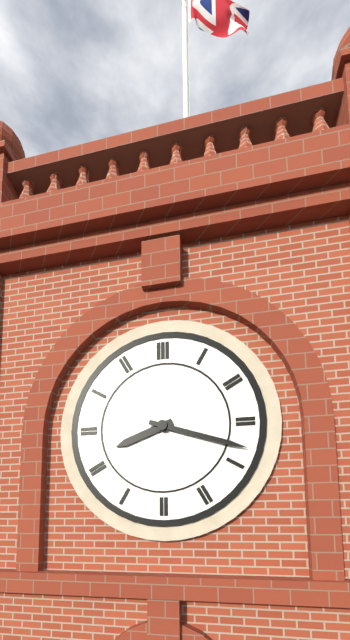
8:18
